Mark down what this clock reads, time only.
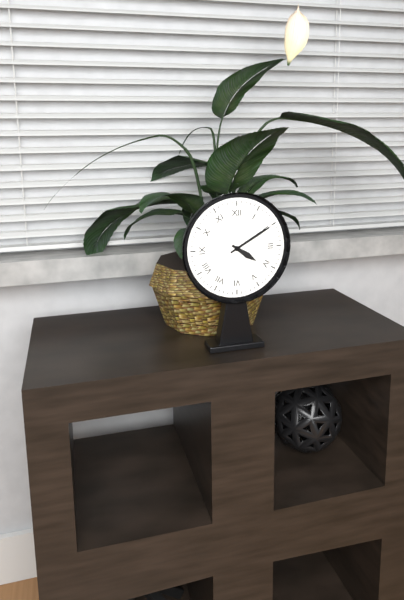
4:10
